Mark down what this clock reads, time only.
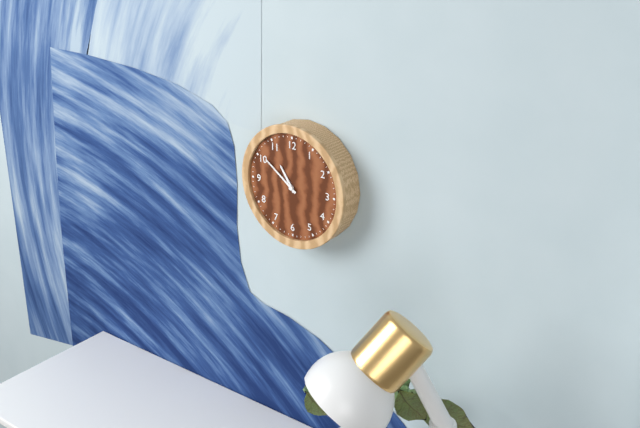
10:51
